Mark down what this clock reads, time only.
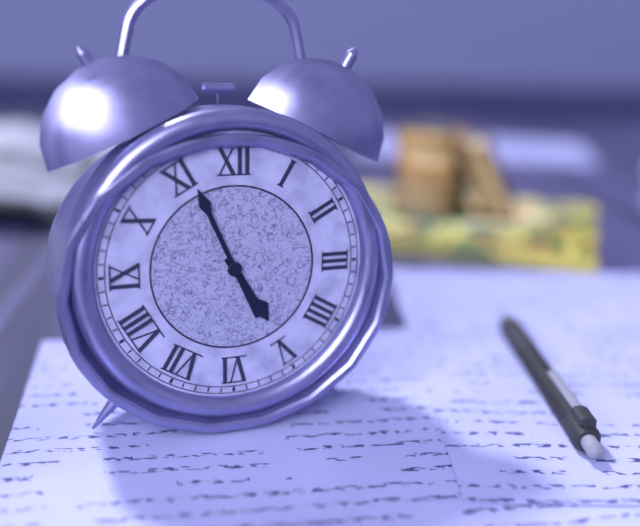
4:56
